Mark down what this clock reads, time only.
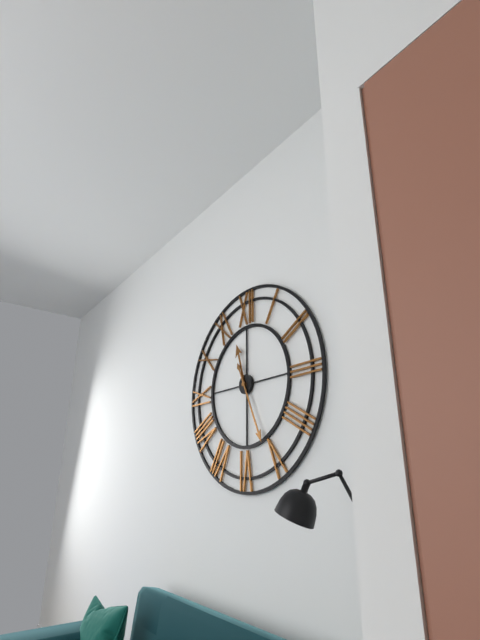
11:26
